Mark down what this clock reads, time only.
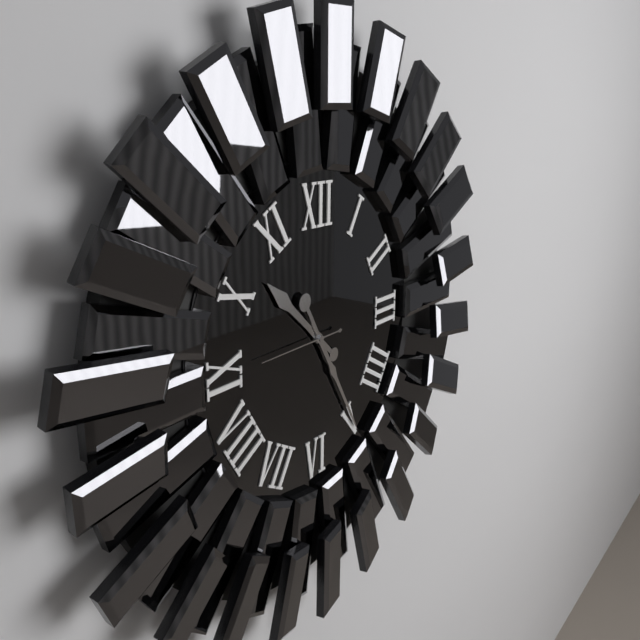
10:25:45
